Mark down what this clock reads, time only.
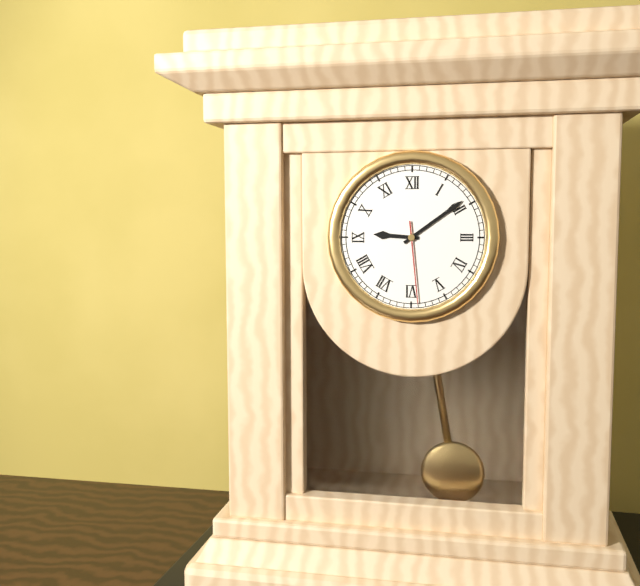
9:09:29
